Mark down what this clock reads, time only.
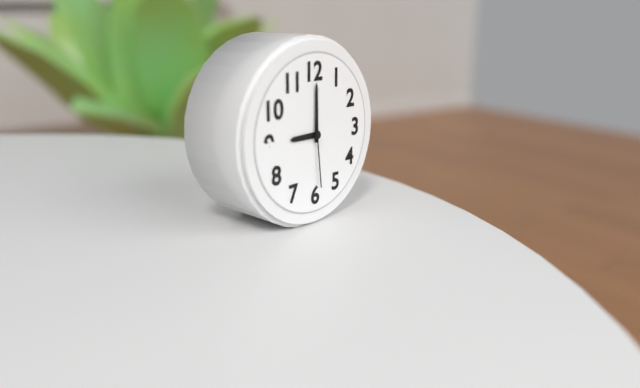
9:00:29
